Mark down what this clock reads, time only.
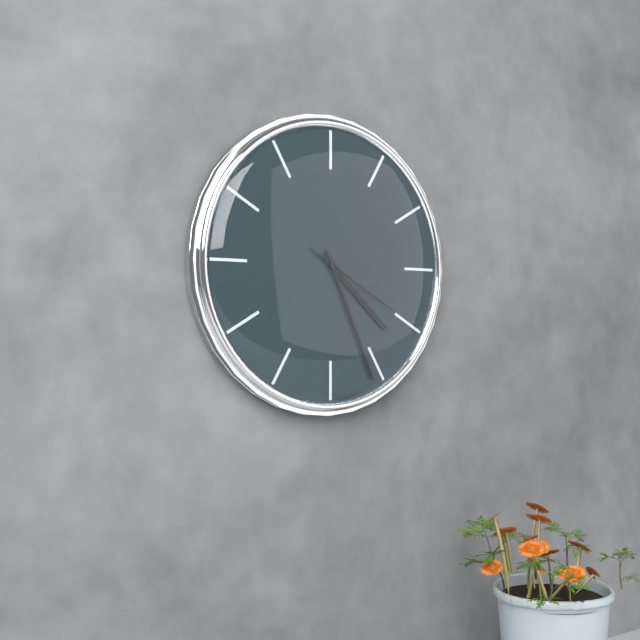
4:26:20
